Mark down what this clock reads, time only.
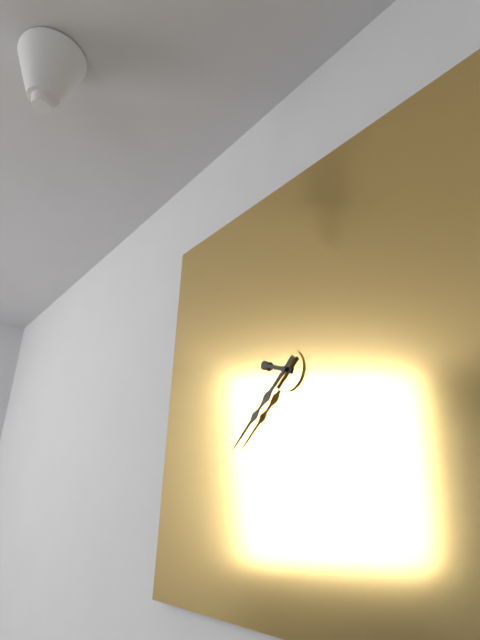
9:38
